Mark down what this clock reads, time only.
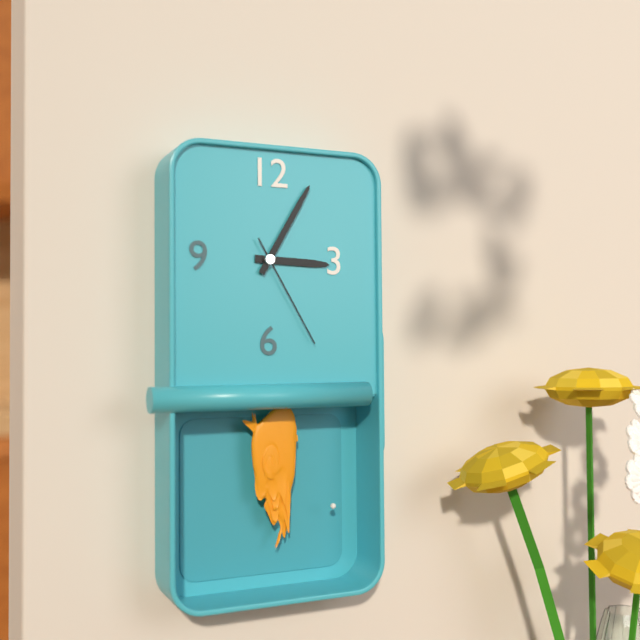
3:05:25
